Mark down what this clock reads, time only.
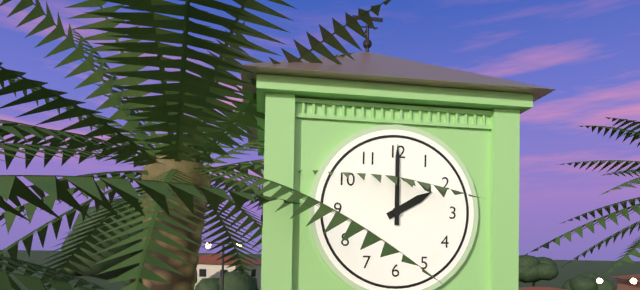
2:00
